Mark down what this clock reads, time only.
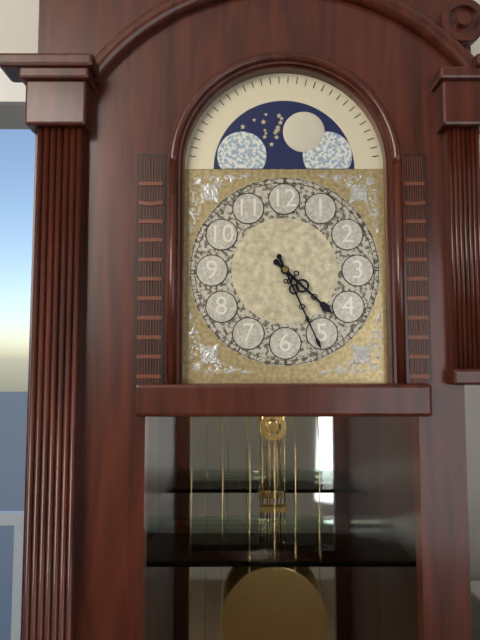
4:26
